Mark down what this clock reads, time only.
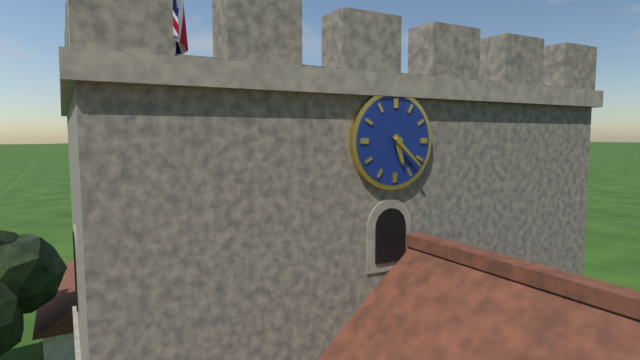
5:22
